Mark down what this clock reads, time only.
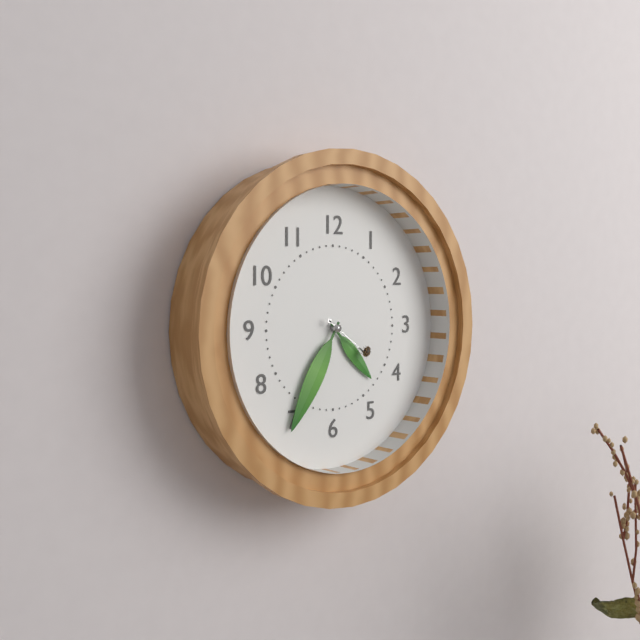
4:35:21
